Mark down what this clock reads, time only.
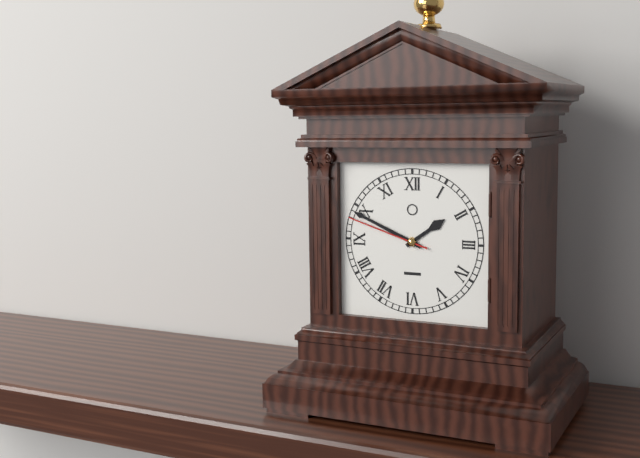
1:49:48
